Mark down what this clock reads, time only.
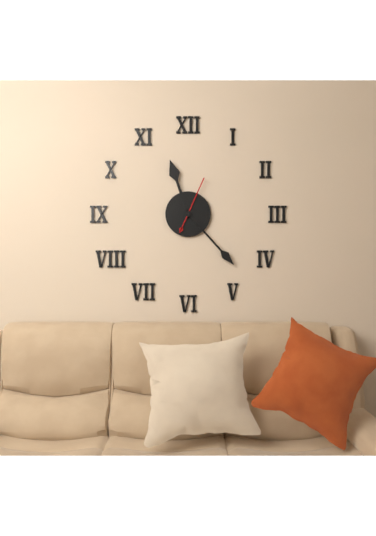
11:23
